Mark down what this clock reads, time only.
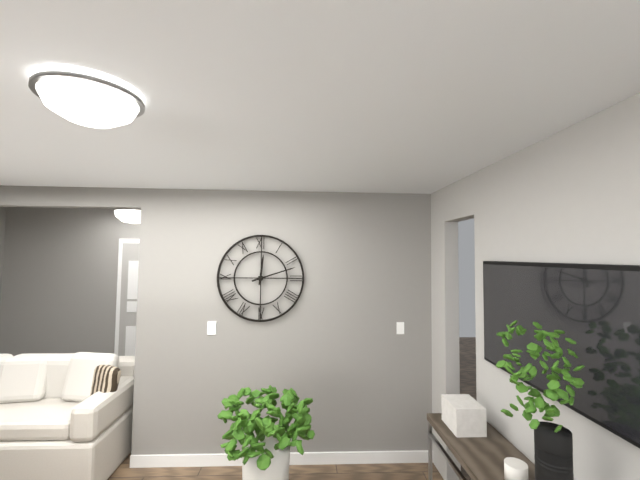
12:12
